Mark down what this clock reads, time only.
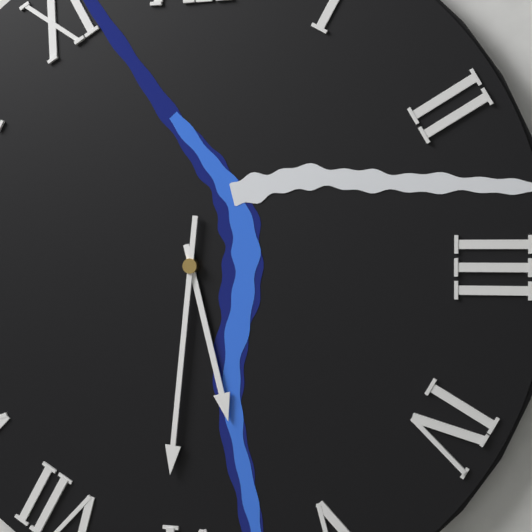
5:31
